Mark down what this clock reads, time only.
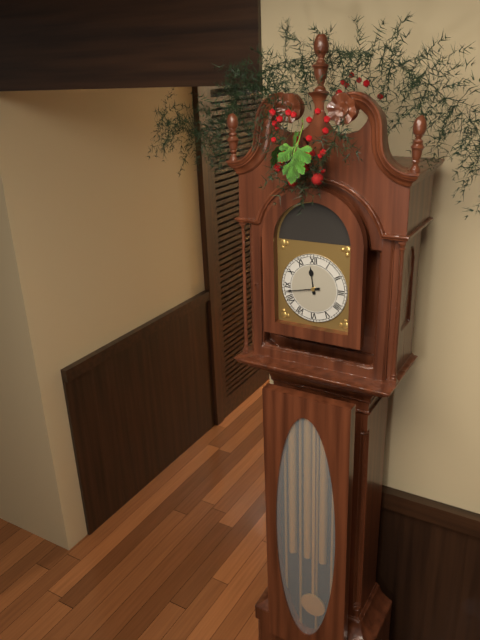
11:43
